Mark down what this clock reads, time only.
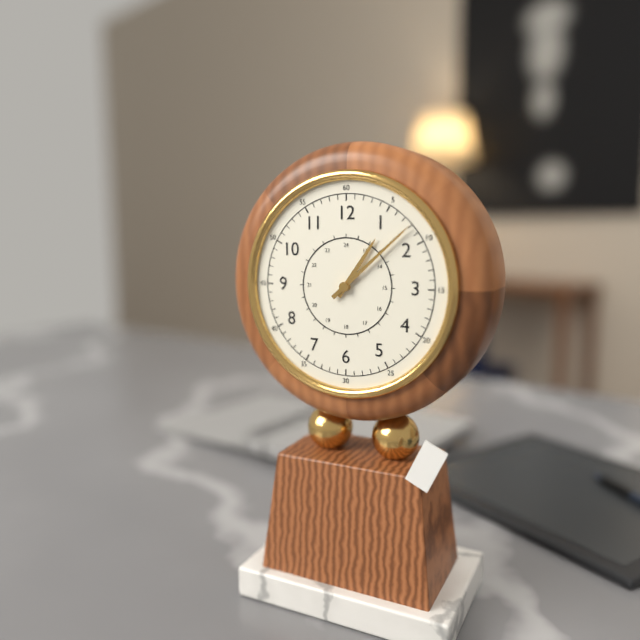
1:08
